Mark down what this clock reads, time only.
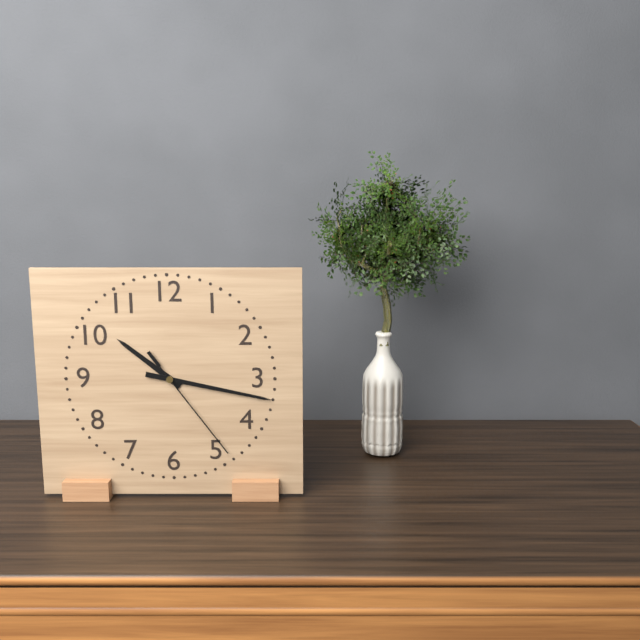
10:17:24
